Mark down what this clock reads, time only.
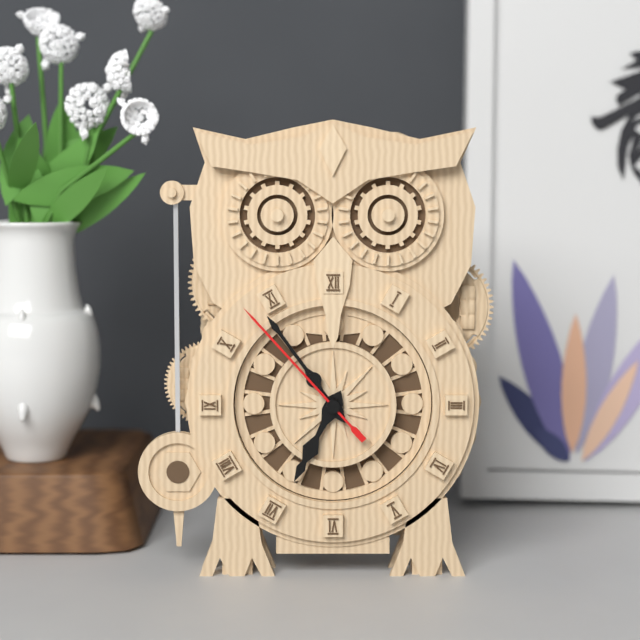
6:54:53
